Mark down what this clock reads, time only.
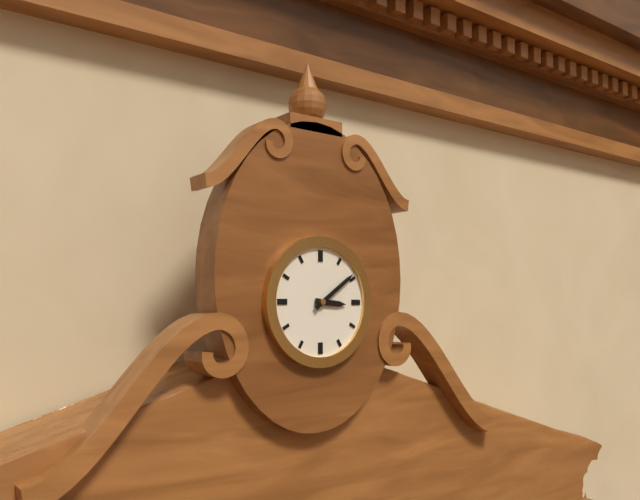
3:09
